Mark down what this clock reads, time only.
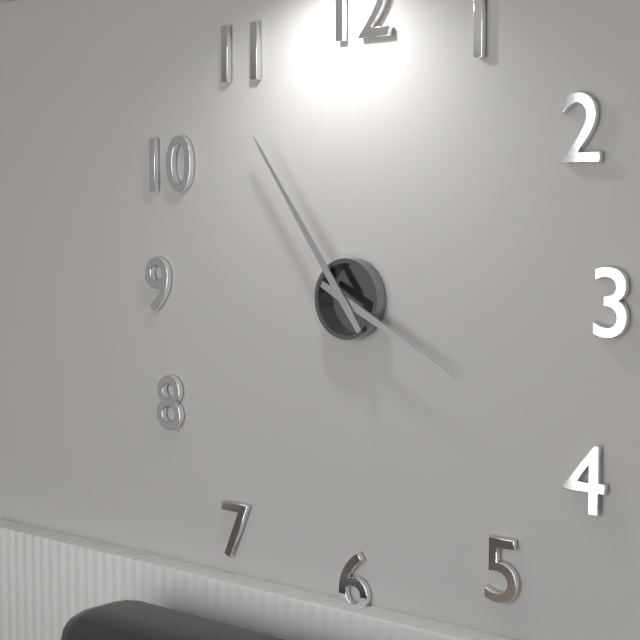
3:54
